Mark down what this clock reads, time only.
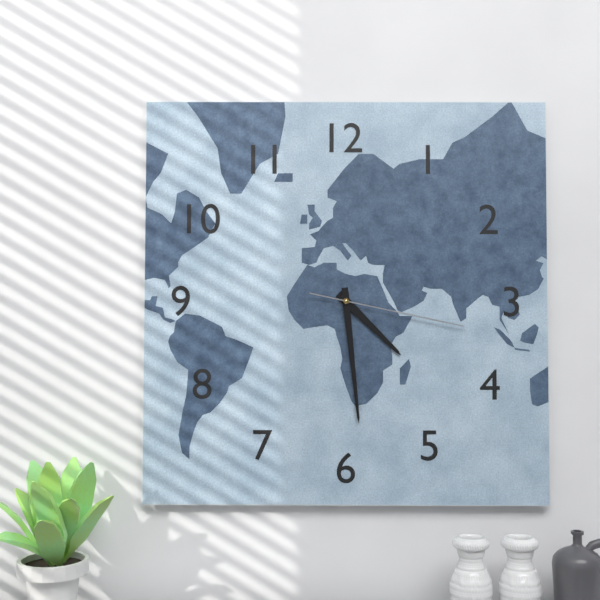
4:29:17
